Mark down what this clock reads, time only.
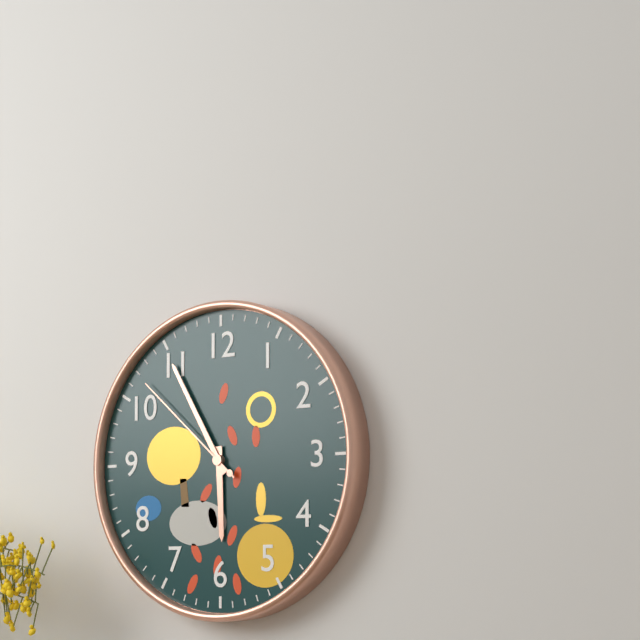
5:55:52
